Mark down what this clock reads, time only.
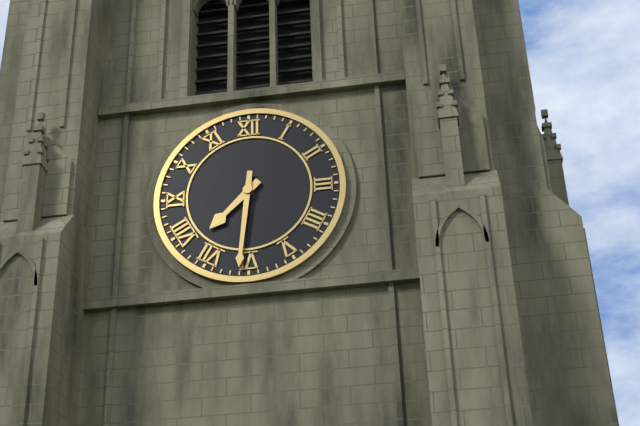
7:31
